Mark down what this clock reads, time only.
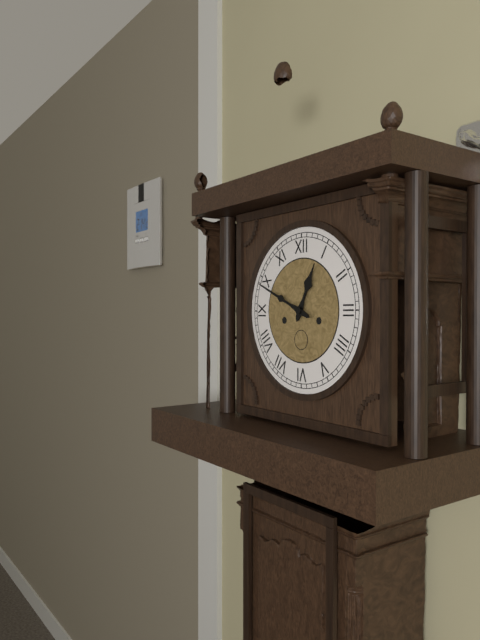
12:49
